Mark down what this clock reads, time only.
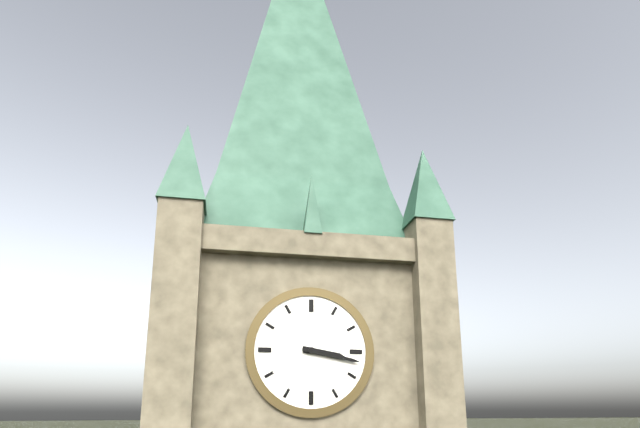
3:17
